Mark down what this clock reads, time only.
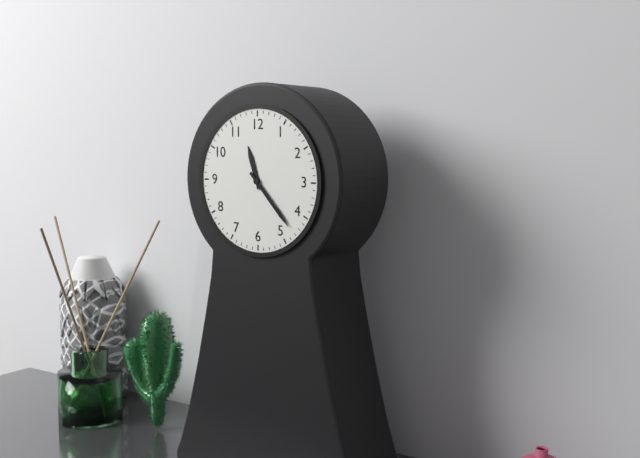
11:23
